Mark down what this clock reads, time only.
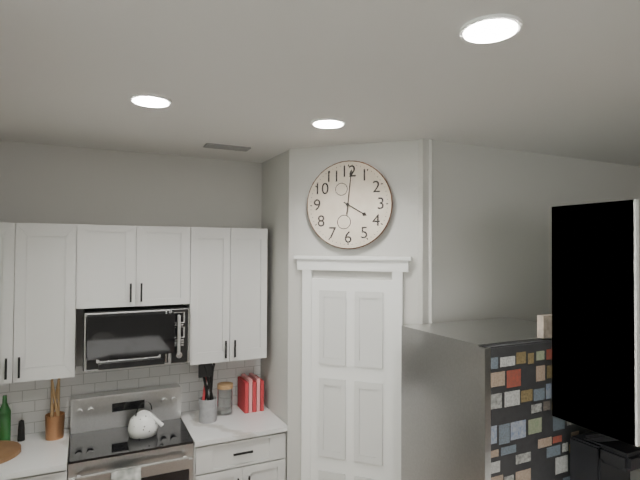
4:01
